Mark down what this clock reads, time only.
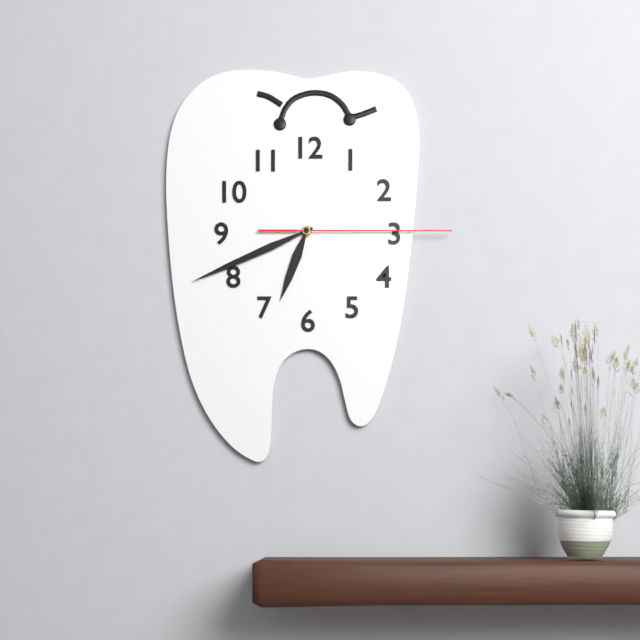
6:41:15
